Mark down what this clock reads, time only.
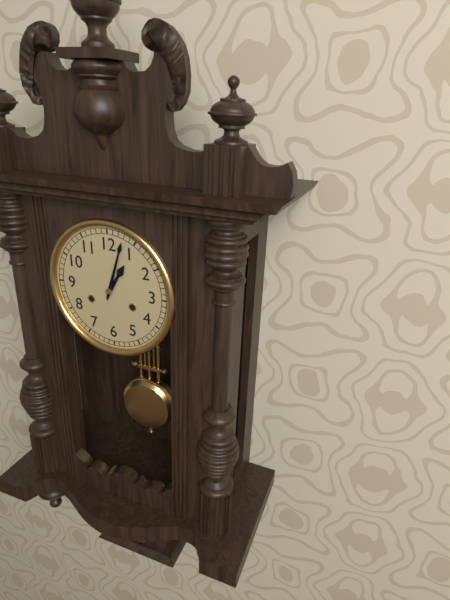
1:03
